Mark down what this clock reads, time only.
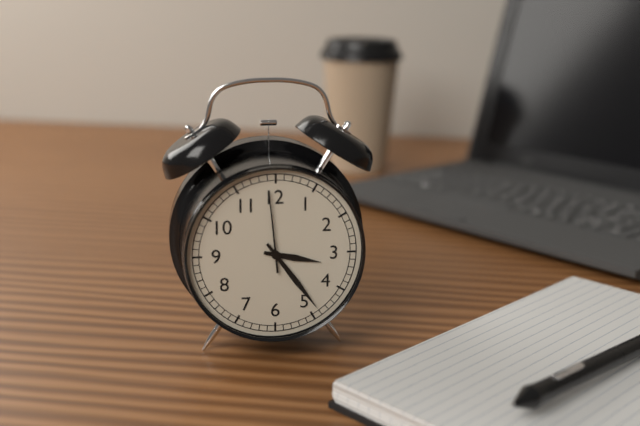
3:24:59
